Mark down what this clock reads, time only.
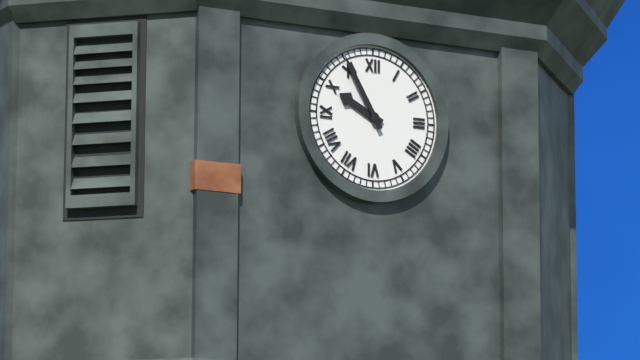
9:55
